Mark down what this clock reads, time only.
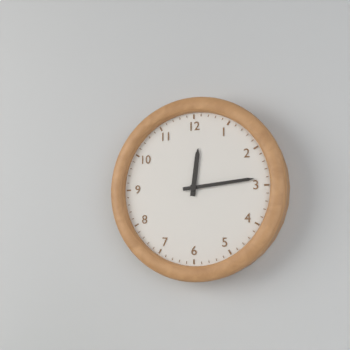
12:14
